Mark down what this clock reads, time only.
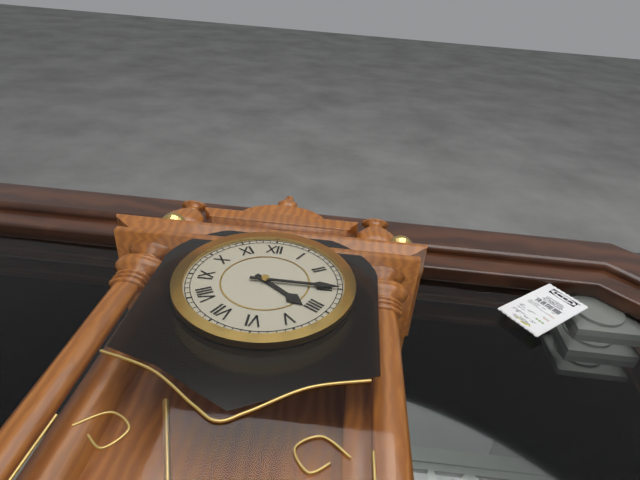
4:15
